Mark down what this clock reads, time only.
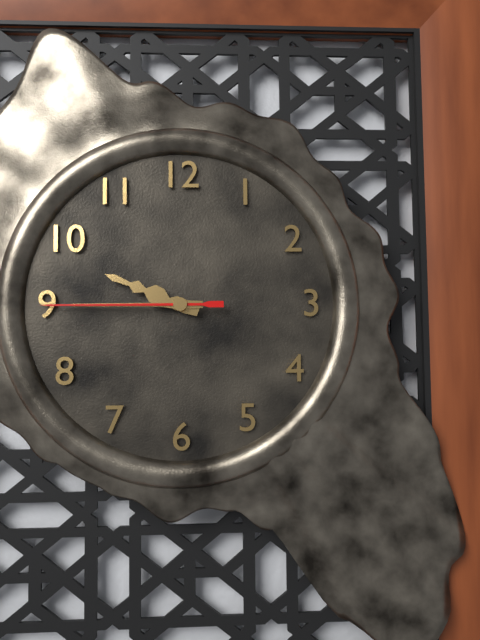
9:45:45
